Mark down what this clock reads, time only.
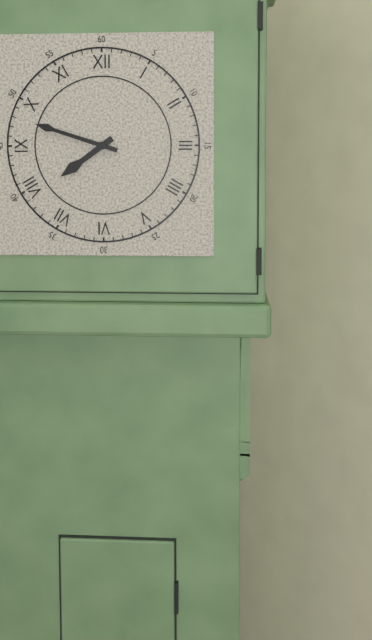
7:48
